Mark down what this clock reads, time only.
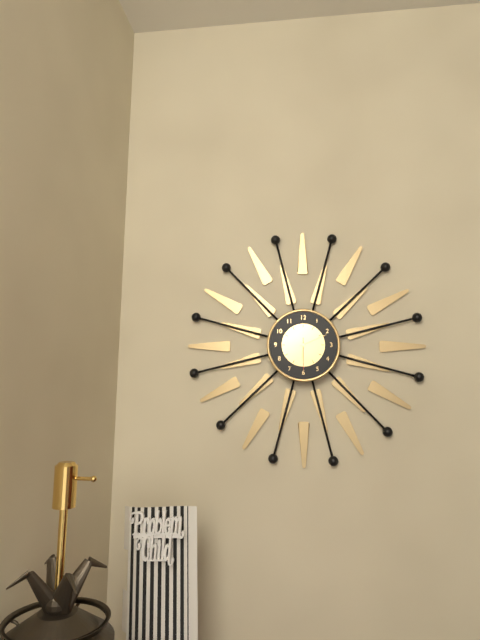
6:11
